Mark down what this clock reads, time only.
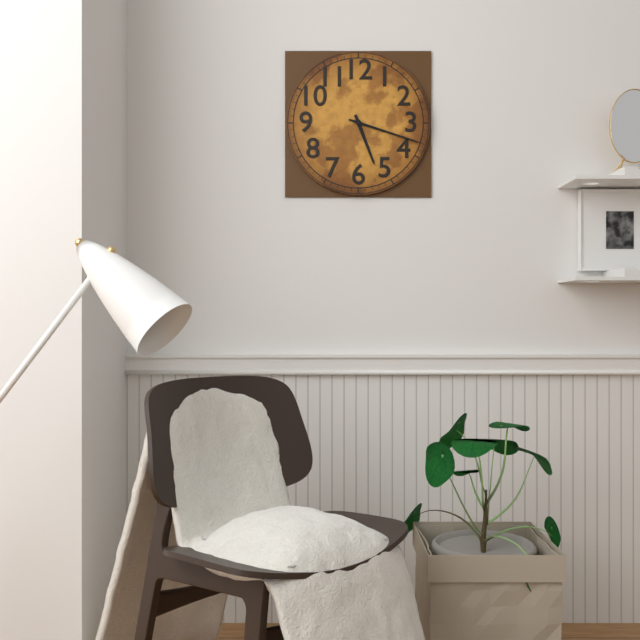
5:18
